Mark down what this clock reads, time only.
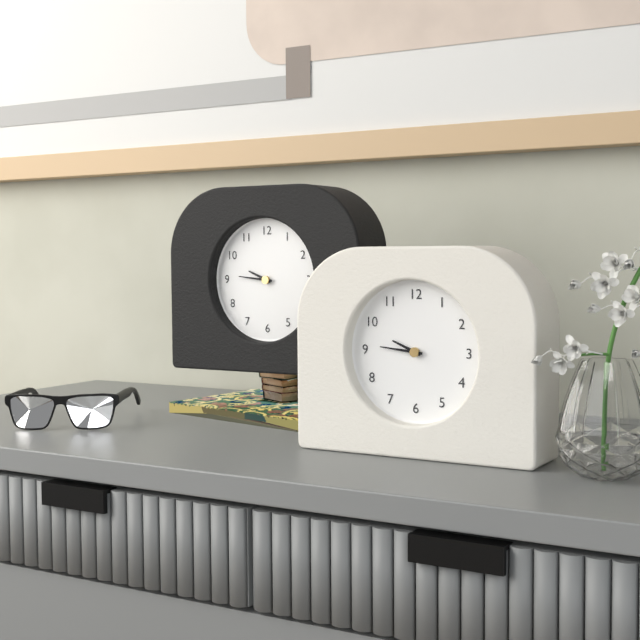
9:46
